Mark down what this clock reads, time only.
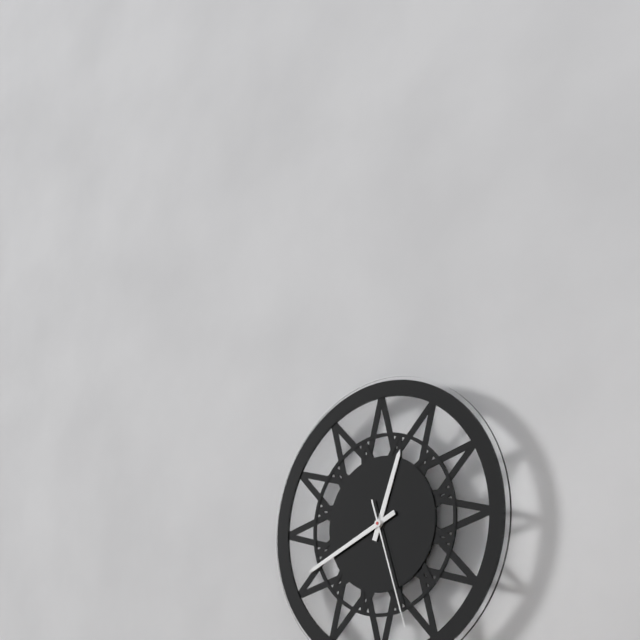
12:41:27
